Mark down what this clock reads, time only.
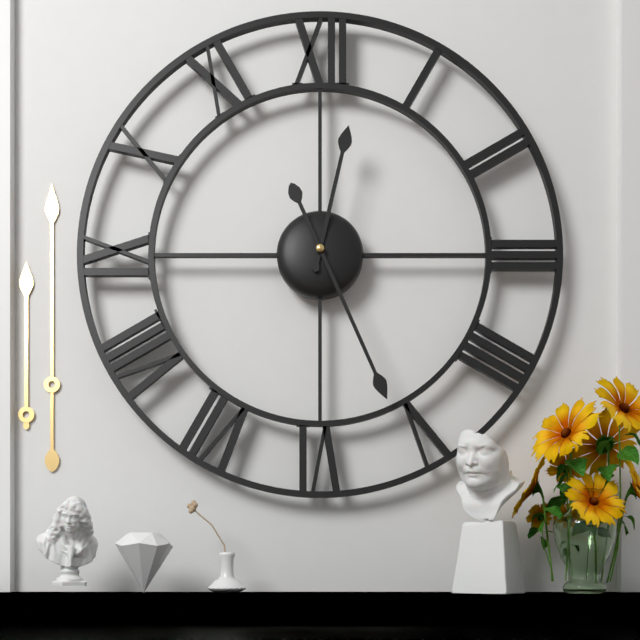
12:26
